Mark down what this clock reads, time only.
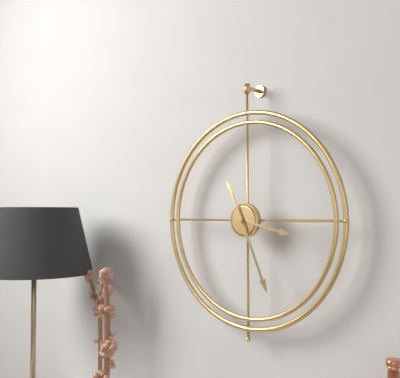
3:26
